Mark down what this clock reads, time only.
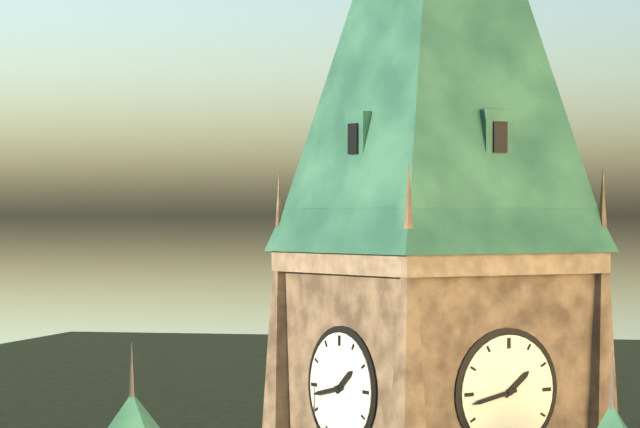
1:43
